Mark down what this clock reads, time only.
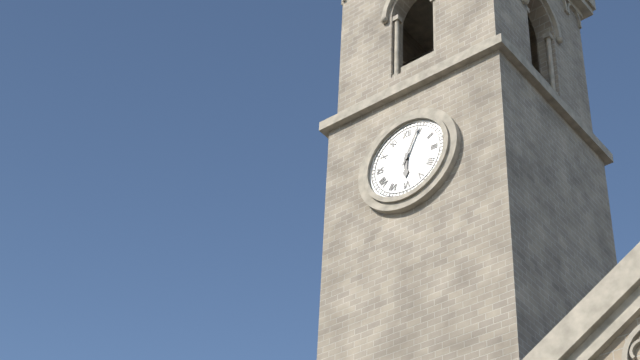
6:04
